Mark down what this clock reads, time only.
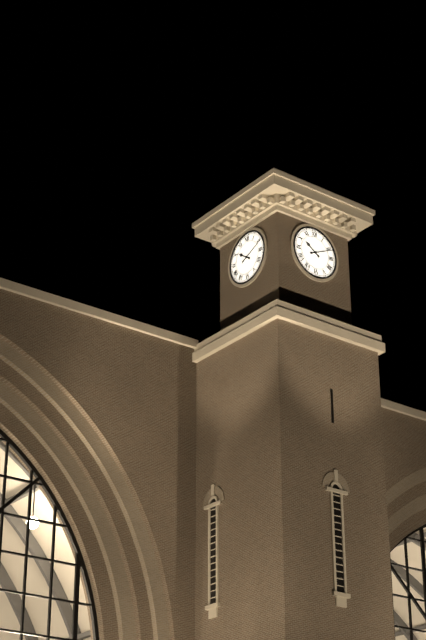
10:11
